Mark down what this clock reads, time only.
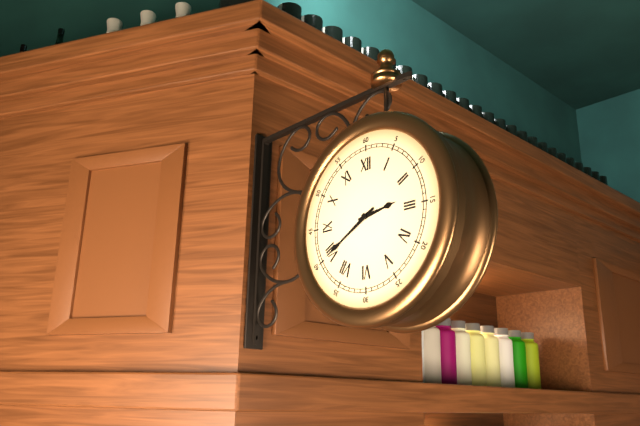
2:40
